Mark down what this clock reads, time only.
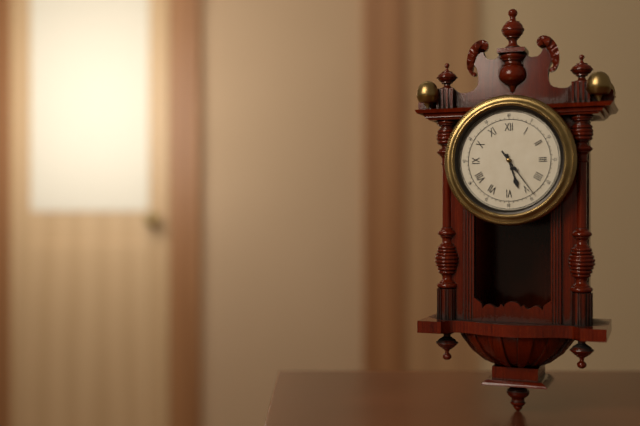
5:24
